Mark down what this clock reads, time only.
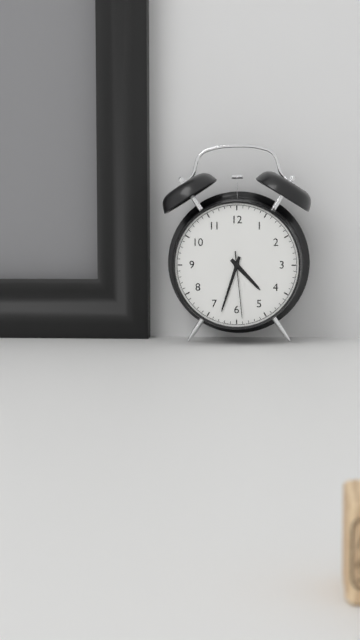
4:33:29
